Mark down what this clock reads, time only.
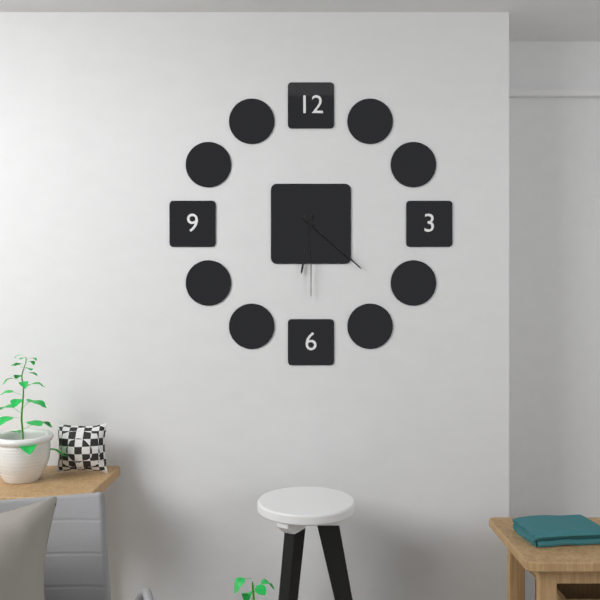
6:22:30
